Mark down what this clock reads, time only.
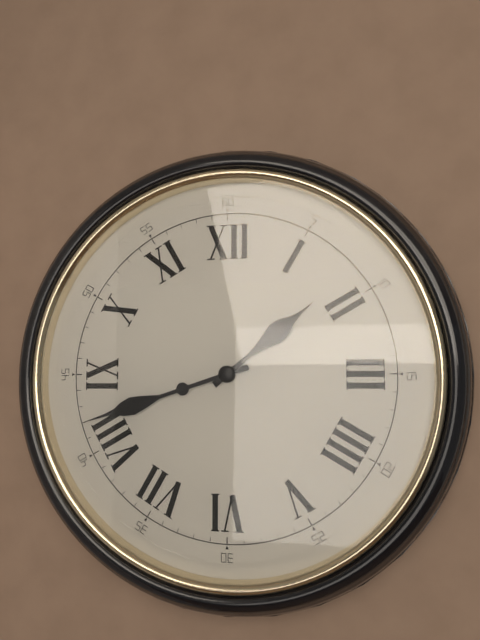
1:42
